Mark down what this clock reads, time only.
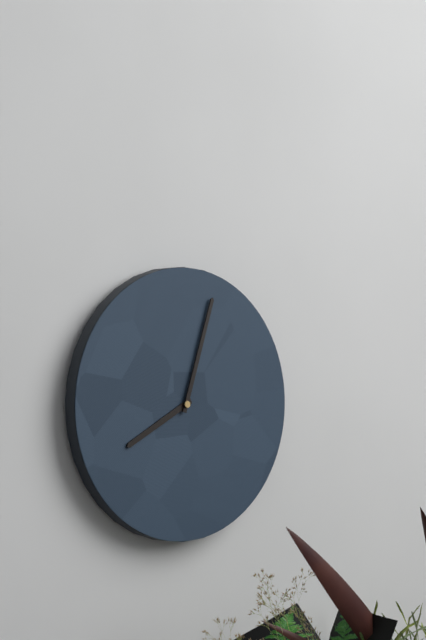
8:03
